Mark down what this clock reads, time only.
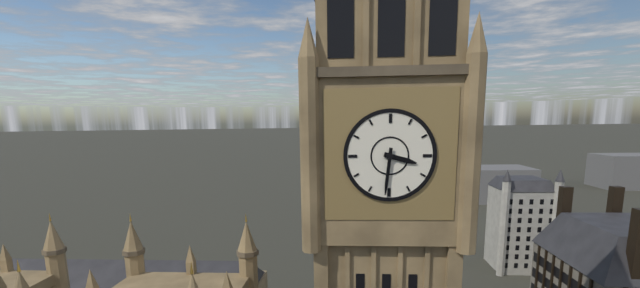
3:31
